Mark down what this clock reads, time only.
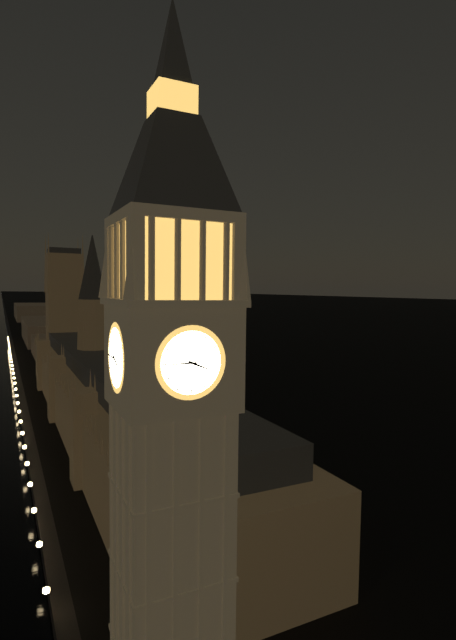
3:45
